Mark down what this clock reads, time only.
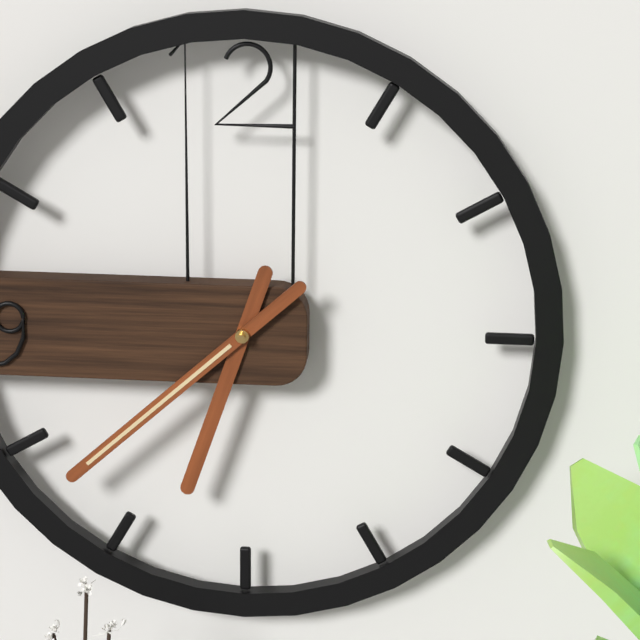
6:38
